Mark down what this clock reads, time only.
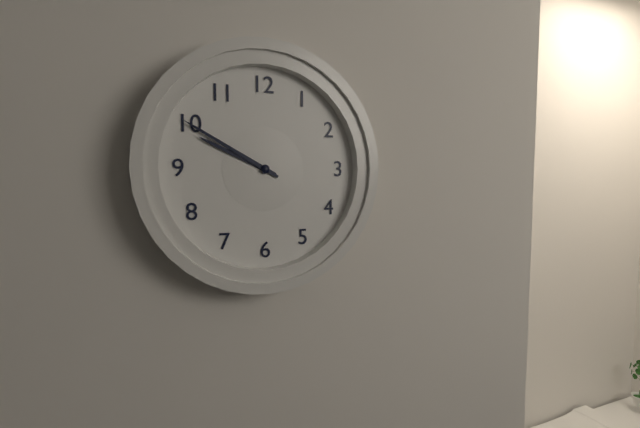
9:50
